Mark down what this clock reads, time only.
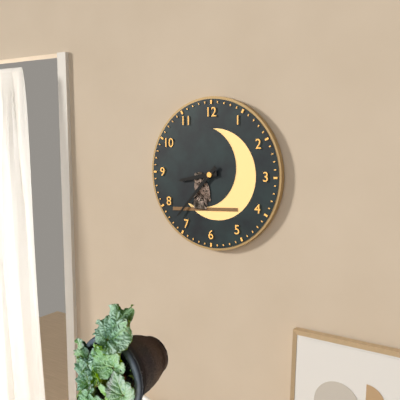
8:37
